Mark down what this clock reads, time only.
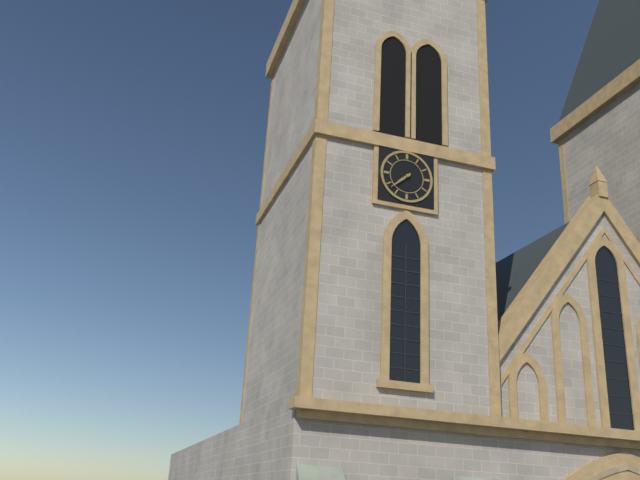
7:38
